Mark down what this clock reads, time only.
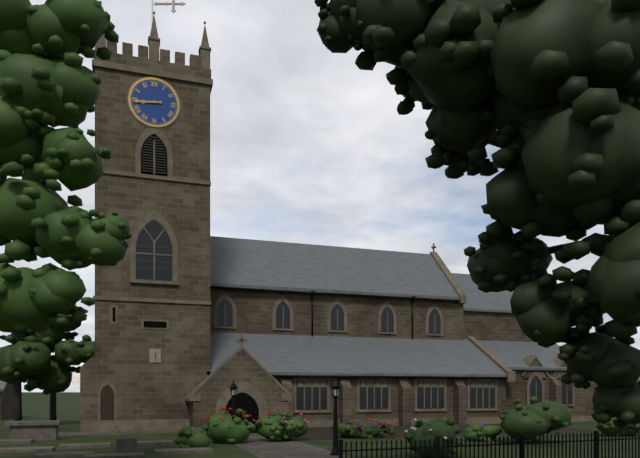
8:44
